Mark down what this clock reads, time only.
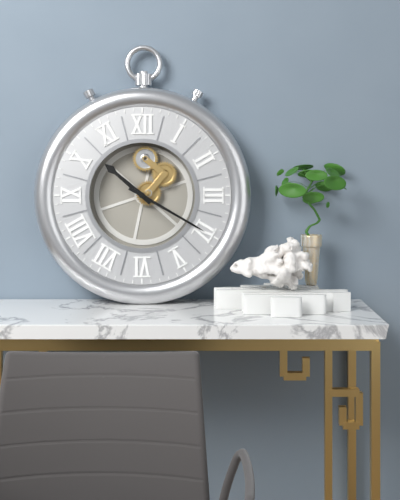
10:20
